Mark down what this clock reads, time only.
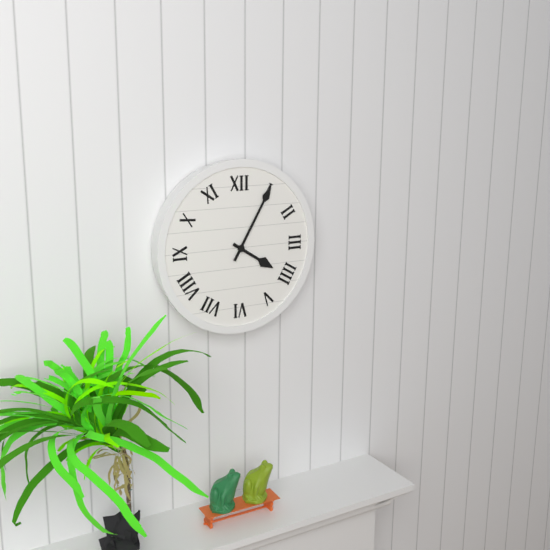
4:05
